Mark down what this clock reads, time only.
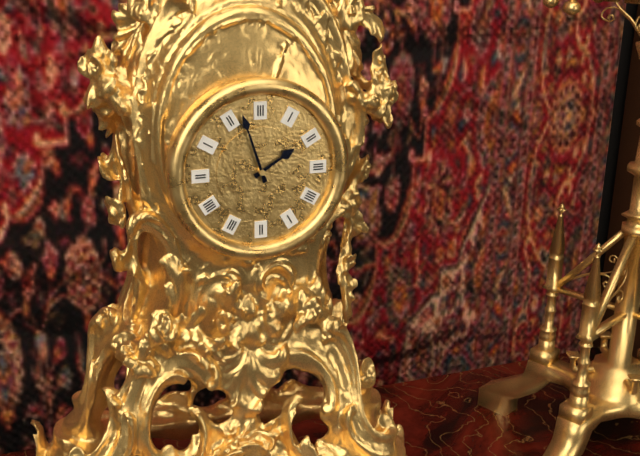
1:57
